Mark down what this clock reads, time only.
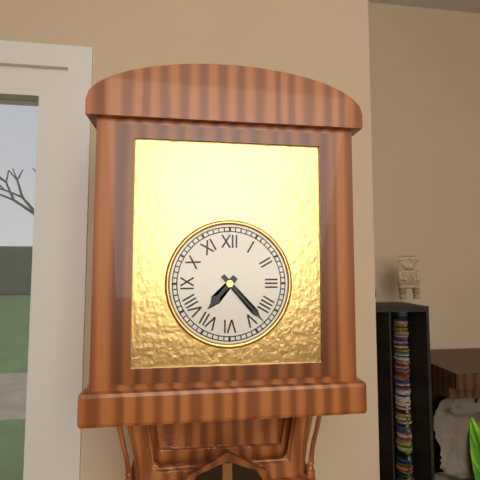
7:23
